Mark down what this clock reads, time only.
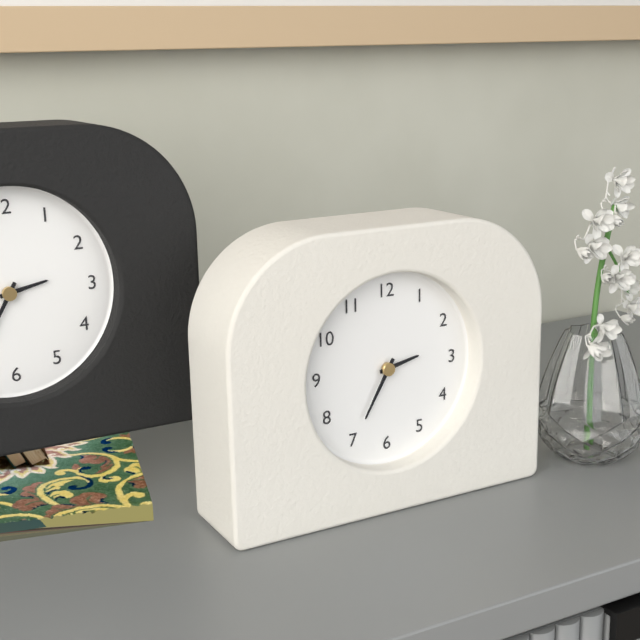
2:35
